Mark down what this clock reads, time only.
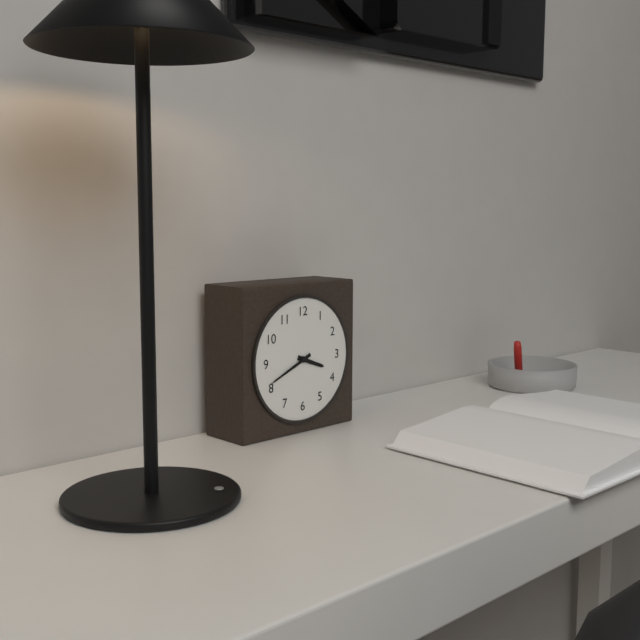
3:41
